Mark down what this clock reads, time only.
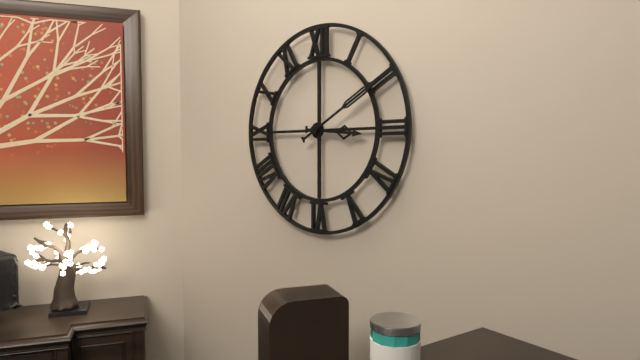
3:10
